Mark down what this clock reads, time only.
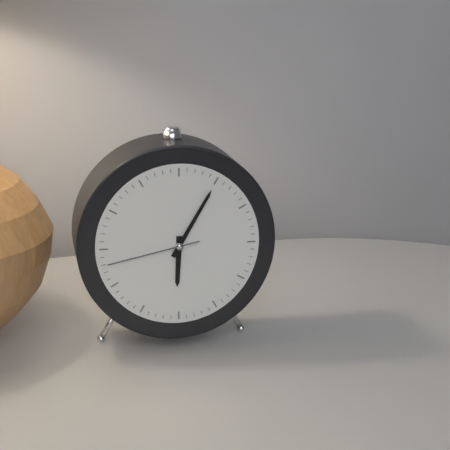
6:05:43
